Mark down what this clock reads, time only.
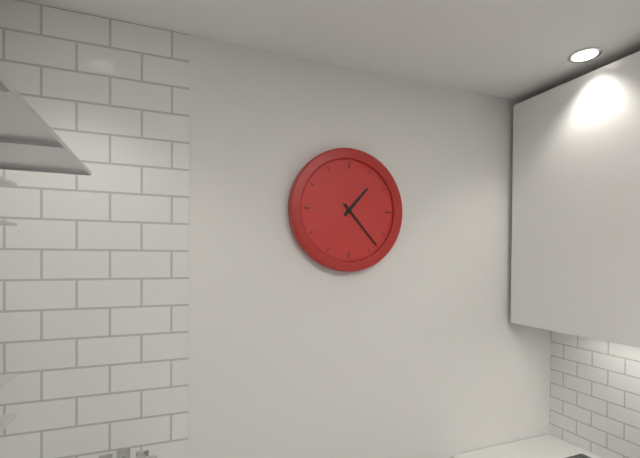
1:23
